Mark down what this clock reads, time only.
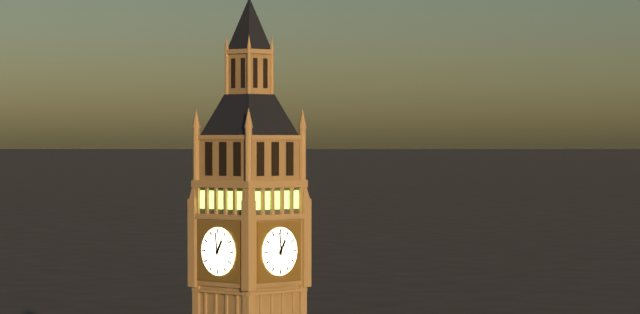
12:59
